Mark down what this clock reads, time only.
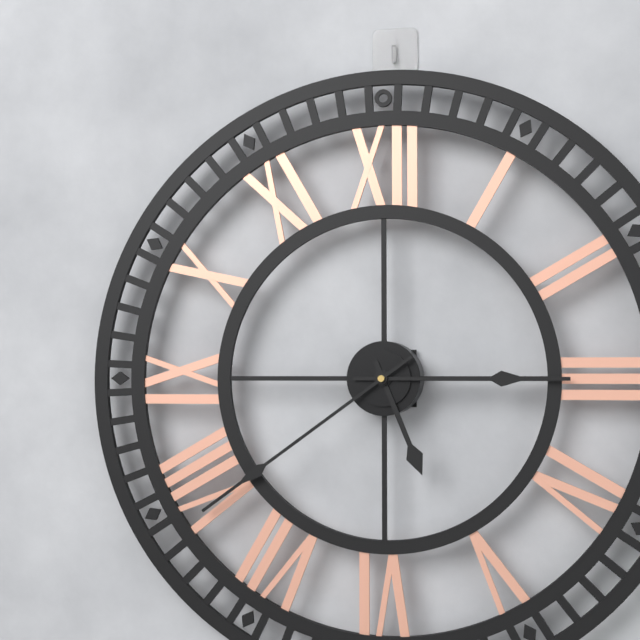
5:15:39
